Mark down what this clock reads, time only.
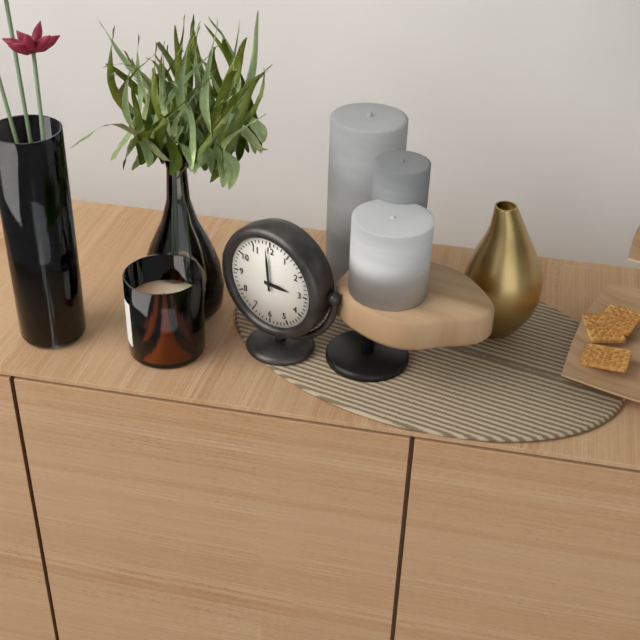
2:59
